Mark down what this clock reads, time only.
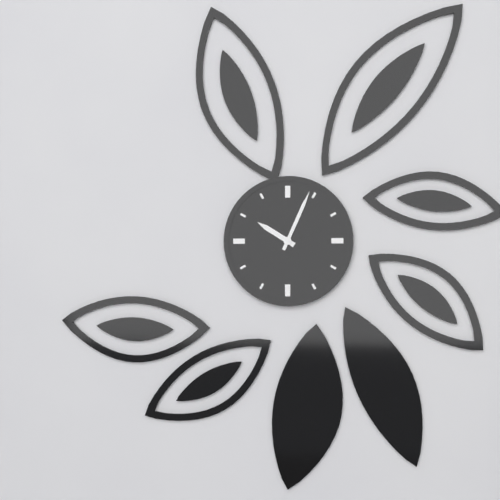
10:04
